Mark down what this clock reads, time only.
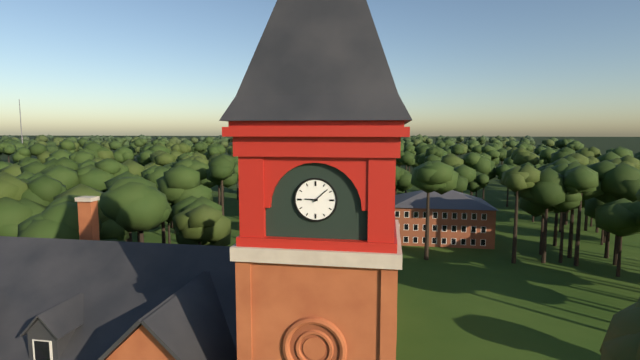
9:08
